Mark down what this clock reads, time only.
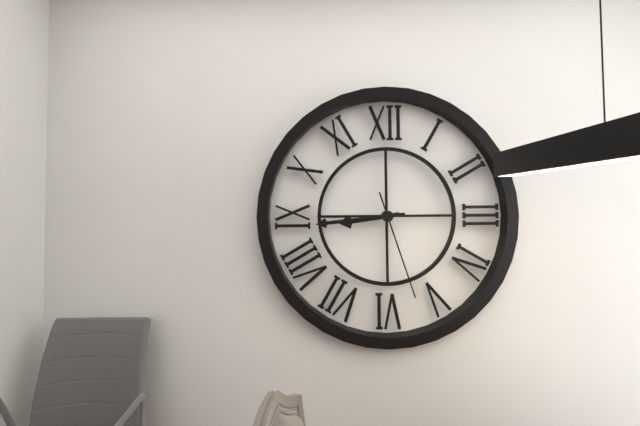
8:44:27
